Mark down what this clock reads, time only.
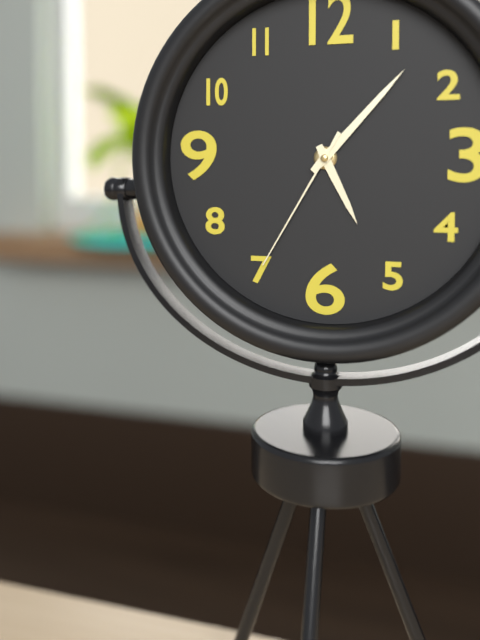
5:07:35
